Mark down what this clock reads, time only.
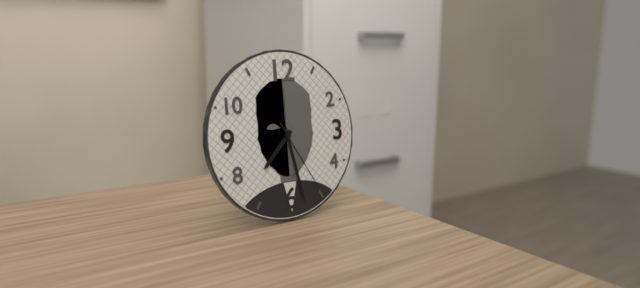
7:28:25
